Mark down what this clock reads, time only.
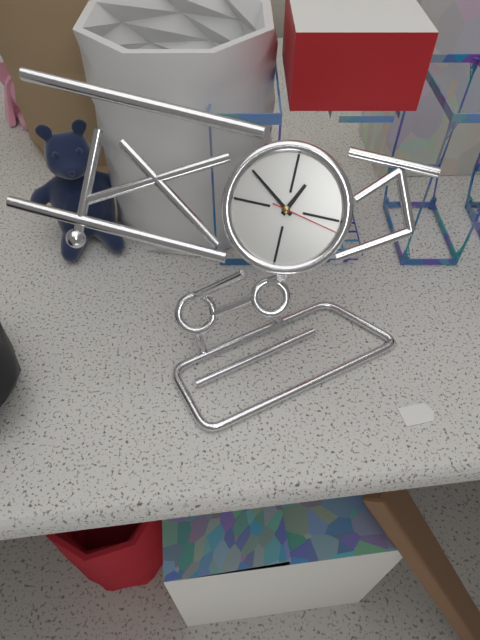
12:51:17
